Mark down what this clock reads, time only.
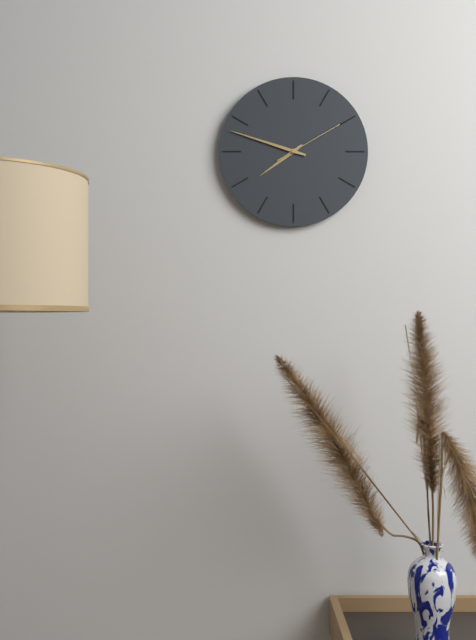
7:48:10
